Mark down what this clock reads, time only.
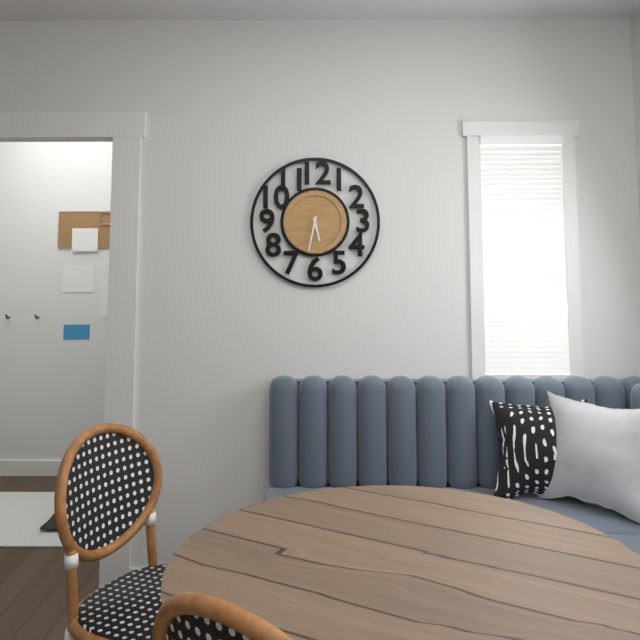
5:32
